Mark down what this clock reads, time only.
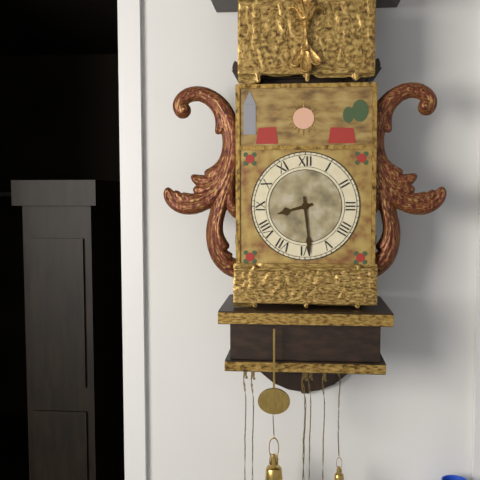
8:29
